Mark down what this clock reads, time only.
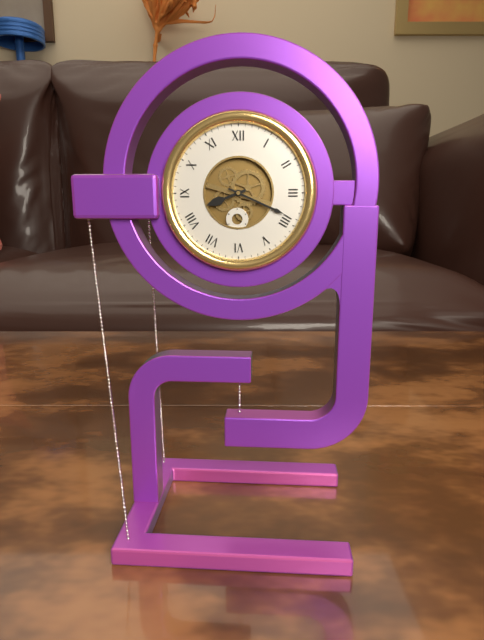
8:19
